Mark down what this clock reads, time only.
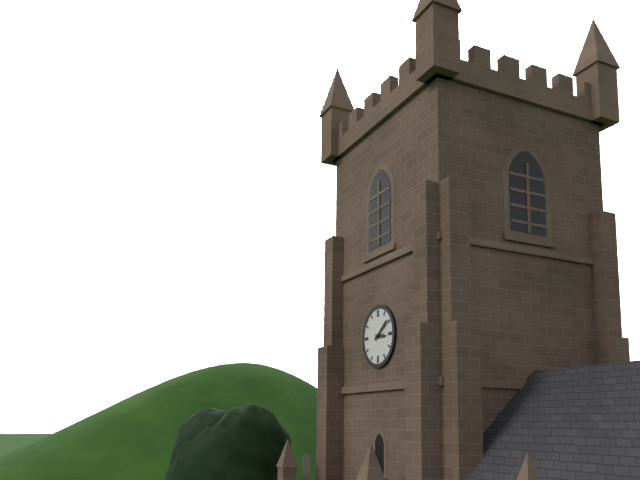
3:09
